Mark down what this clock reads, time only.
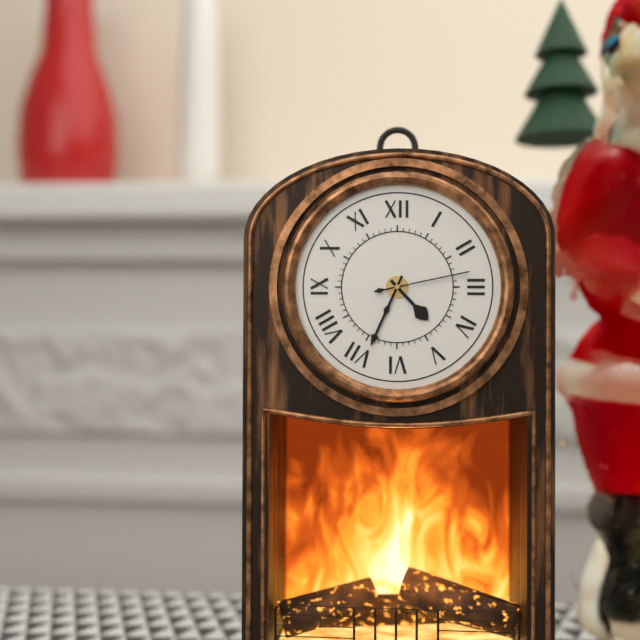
4:34:13
